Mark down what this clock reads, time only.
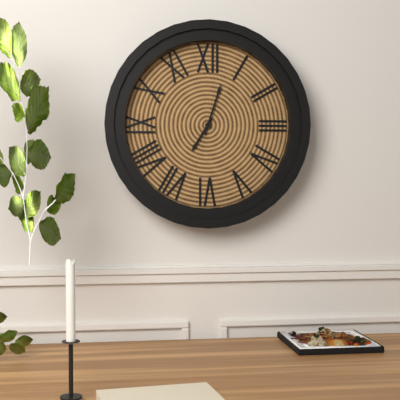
7:03
